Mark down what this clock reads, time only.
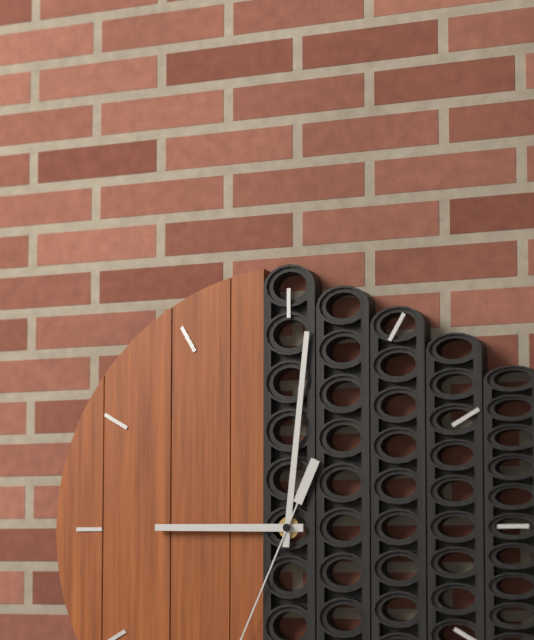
9:01
